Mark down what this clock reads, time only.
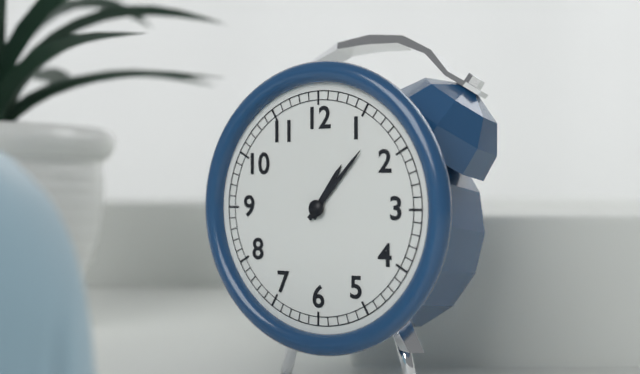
1:07
